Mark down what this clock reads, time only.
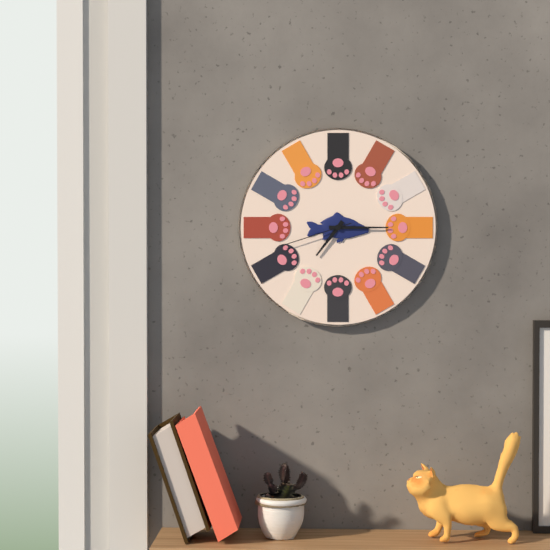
7:15:42
